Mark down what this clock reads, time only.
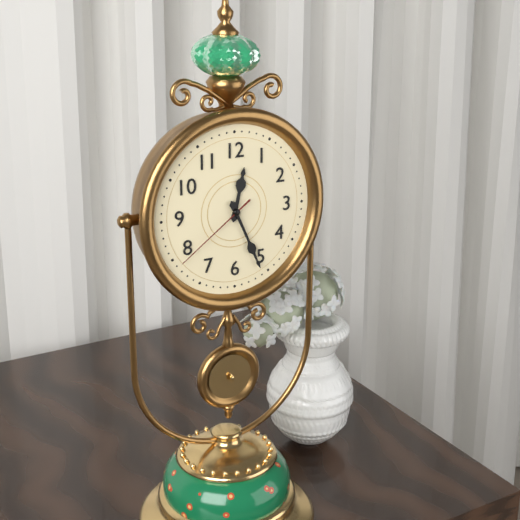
12:26:39
